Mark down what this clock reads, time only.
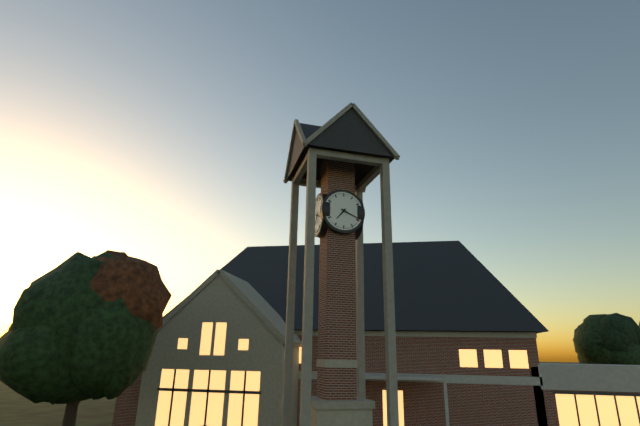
7:19
